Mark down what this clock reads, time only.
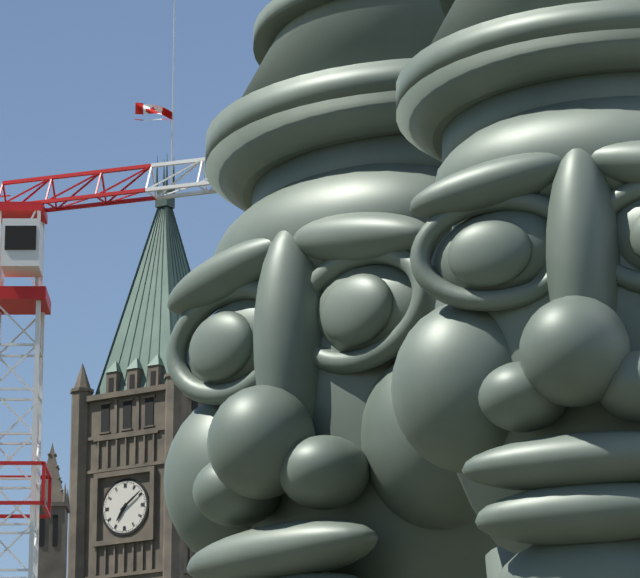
7:09
